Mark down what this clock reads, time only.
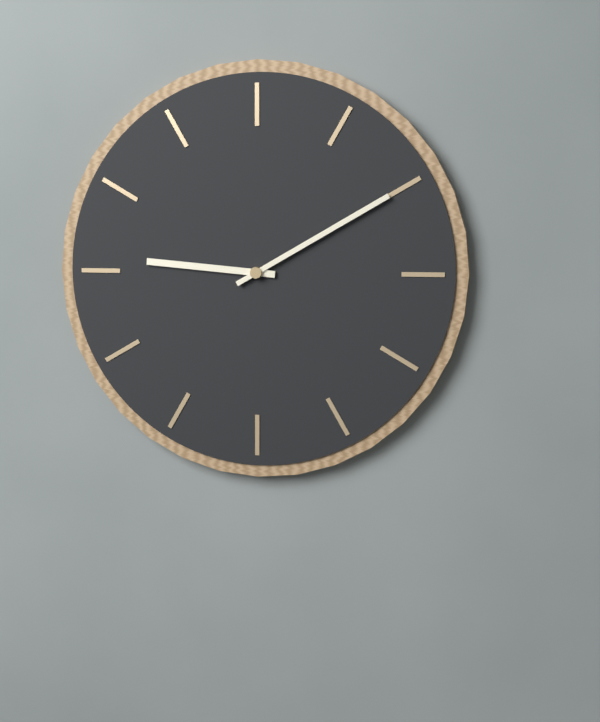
9:10
